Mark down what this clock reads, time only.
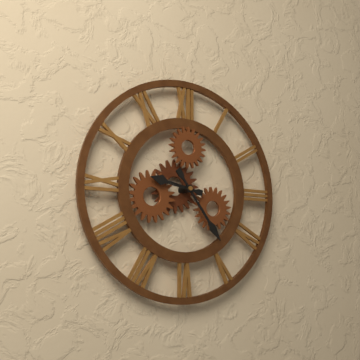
9:24
